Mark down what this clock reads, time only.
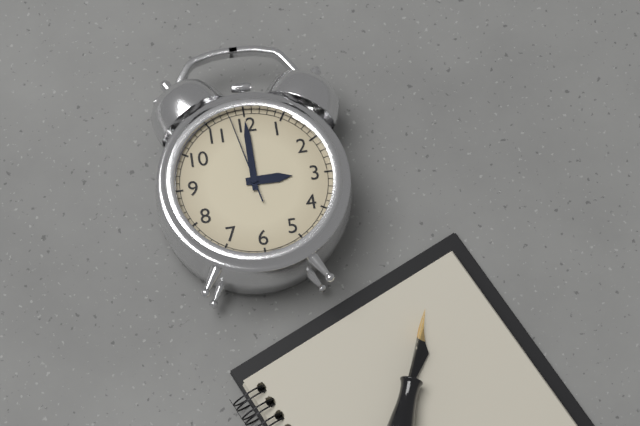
3:00:58
